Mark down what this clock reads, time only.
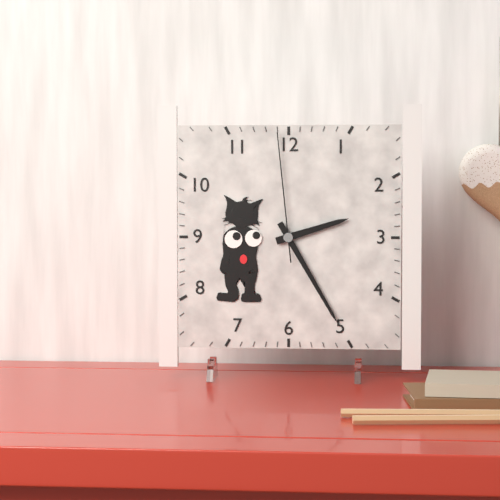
2:25:59
